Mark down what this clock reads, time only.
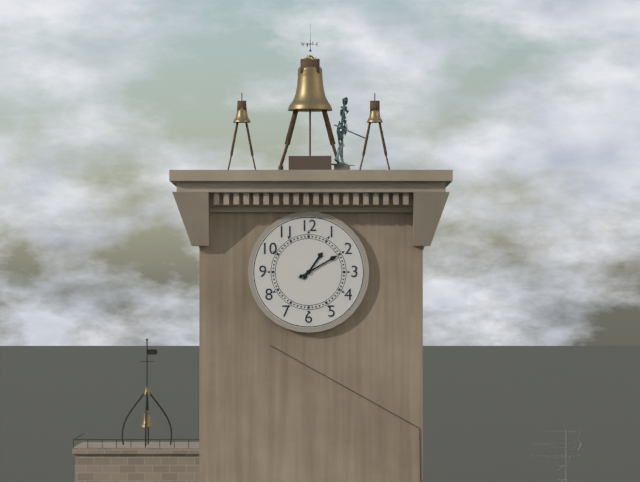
1:10
